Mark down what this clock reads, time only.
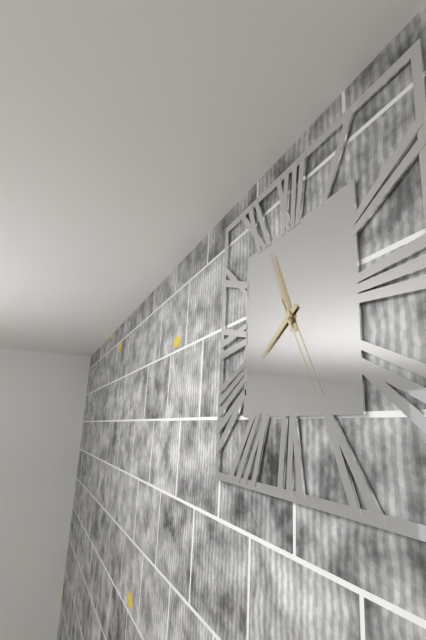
7:56:25
